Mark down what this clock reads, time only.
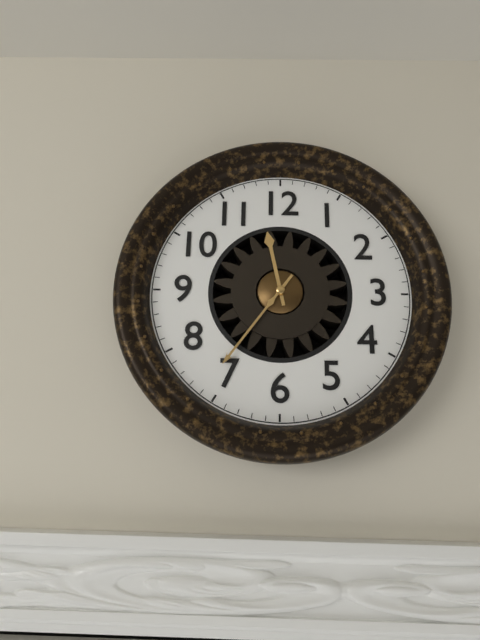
11:36
